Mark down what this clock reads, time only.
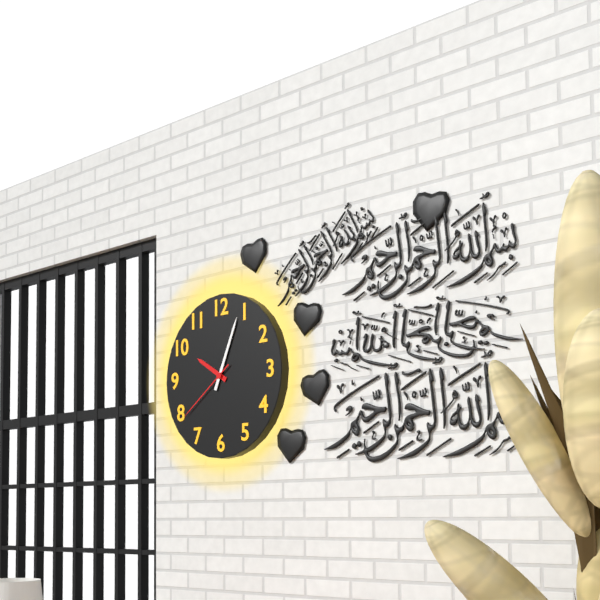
10:04:39
